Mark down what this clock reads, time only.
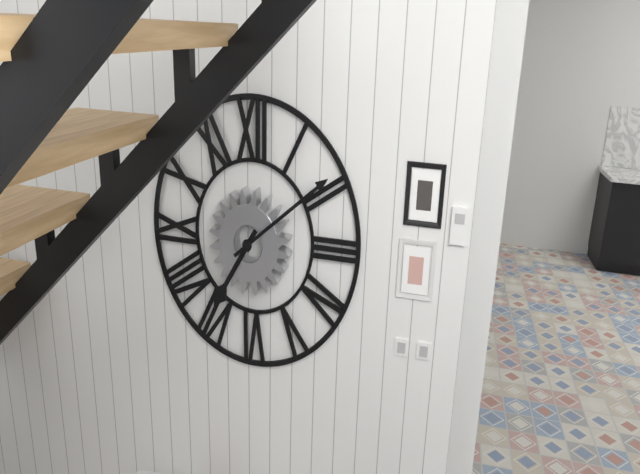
7:09
